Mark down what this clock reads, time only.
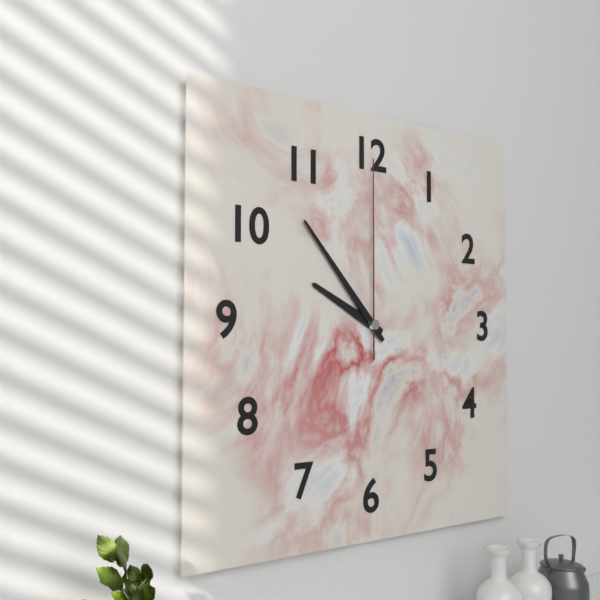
9:53:00
